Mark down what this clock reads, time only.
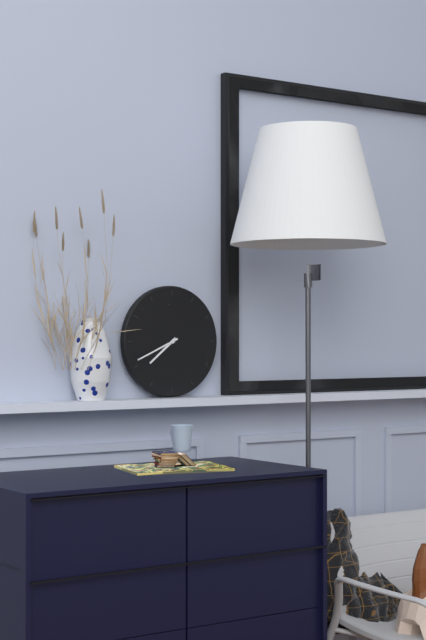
7:41
